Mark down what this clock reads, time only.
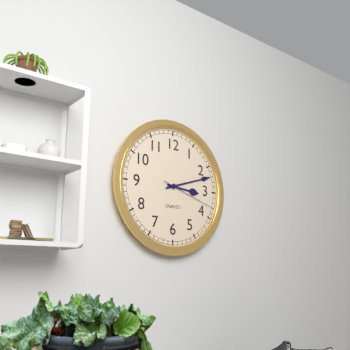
3:12:18
